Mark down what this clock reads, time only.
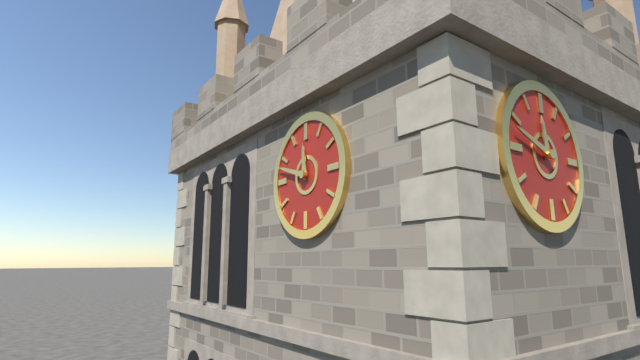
11:48
